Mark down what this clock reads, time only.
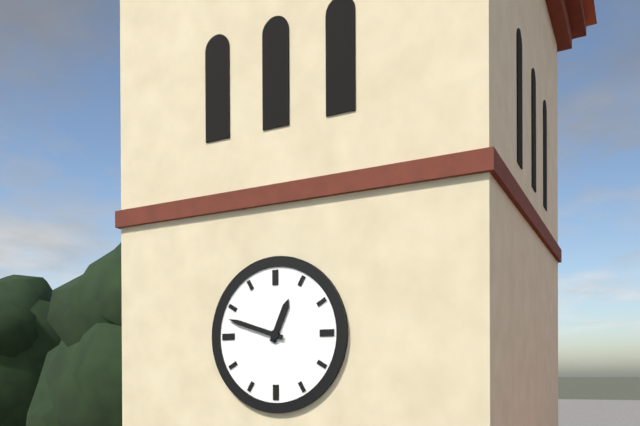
12:48
